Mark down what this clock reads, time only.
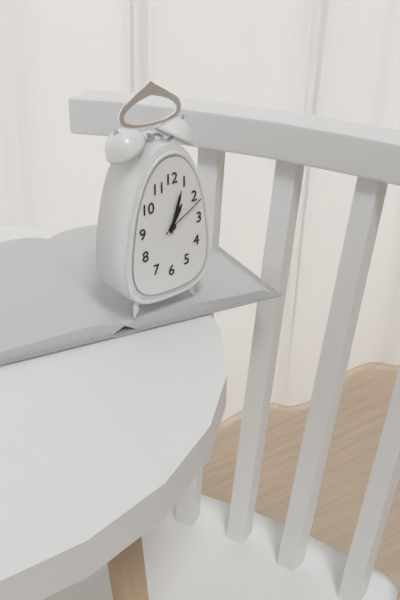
1:03
